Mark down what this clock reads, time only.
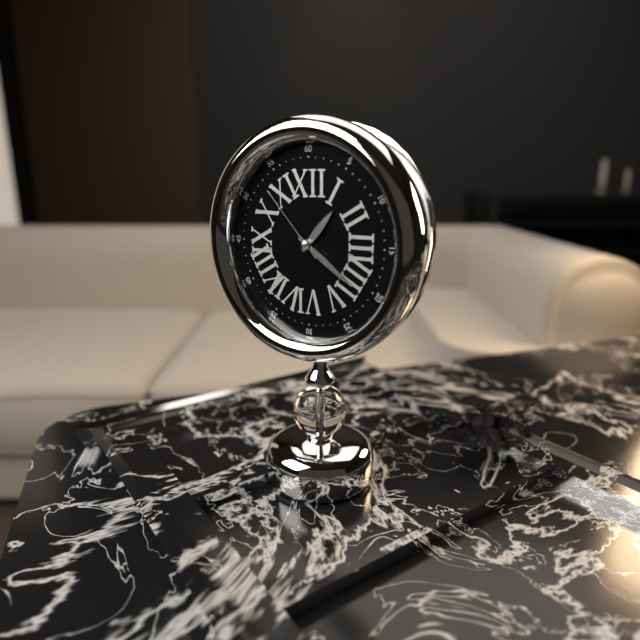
1:21:53
